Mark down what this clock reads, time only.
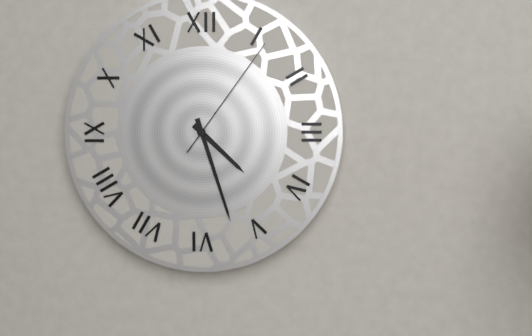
4:27:06
